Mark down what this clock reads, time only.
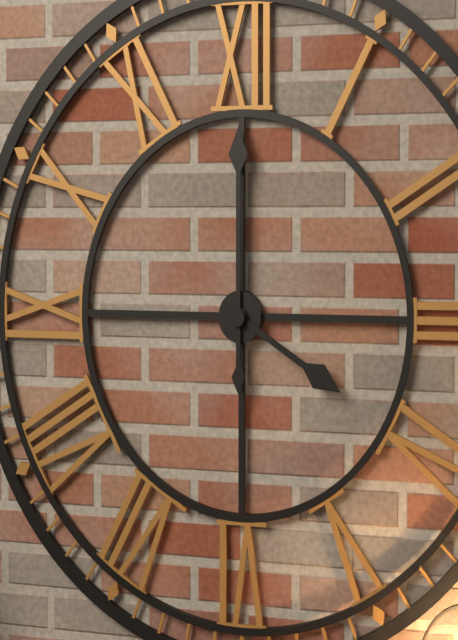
4:00
